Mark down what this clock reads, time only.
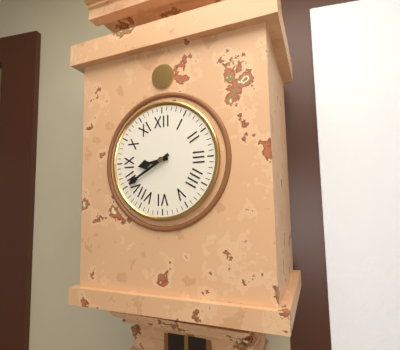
8:40
